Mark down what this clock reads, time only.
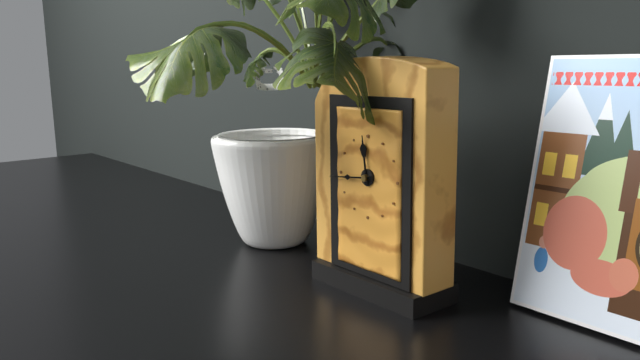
11:44
